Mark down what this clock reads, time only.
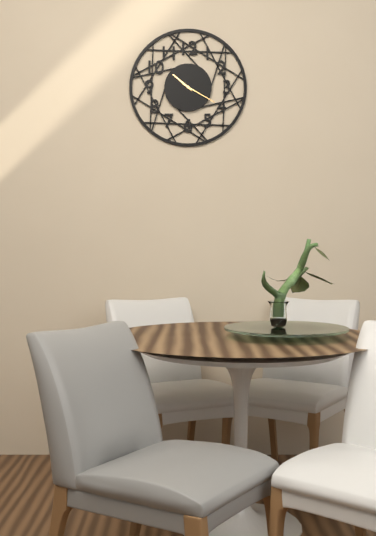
10:20
